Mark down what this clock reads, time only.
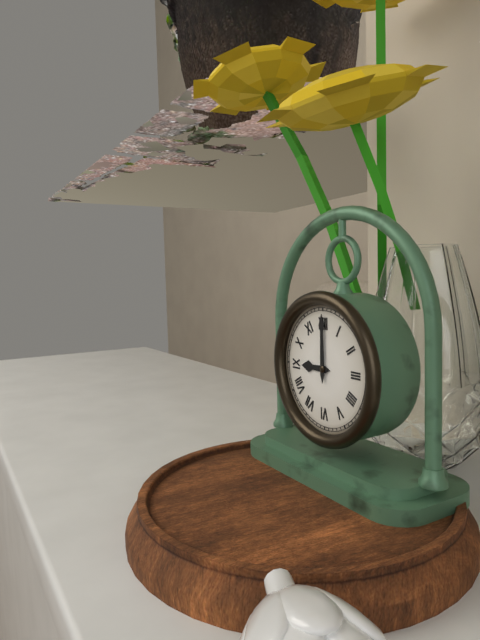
9:00
